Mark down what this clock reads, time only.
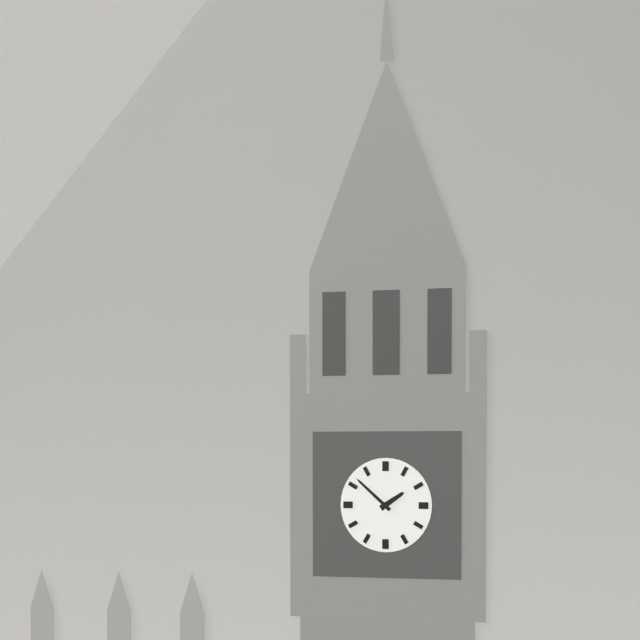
1:52
